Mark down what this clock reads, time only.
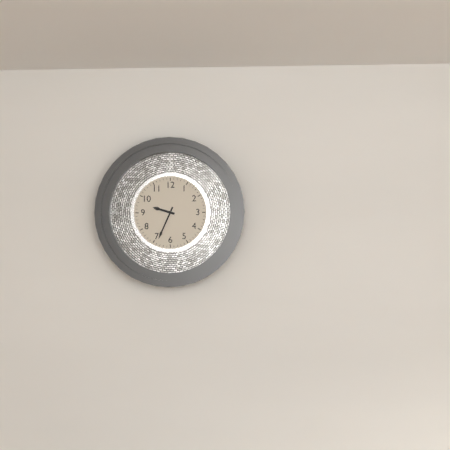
9:34
